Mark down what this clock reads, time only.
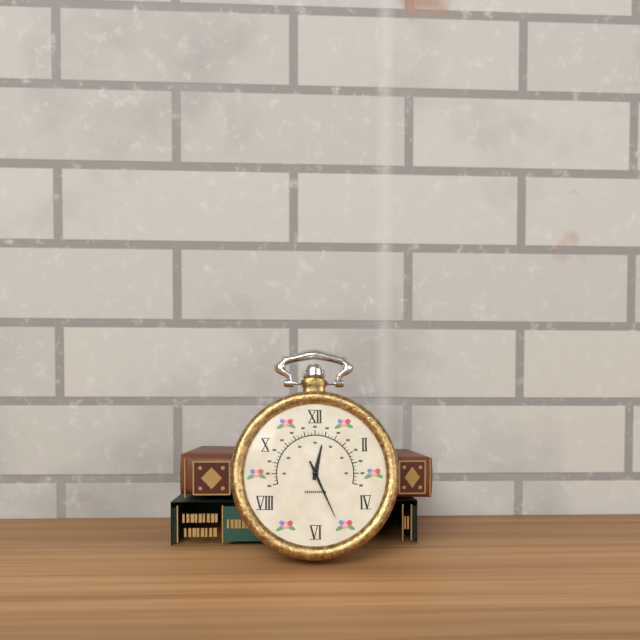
12:26
